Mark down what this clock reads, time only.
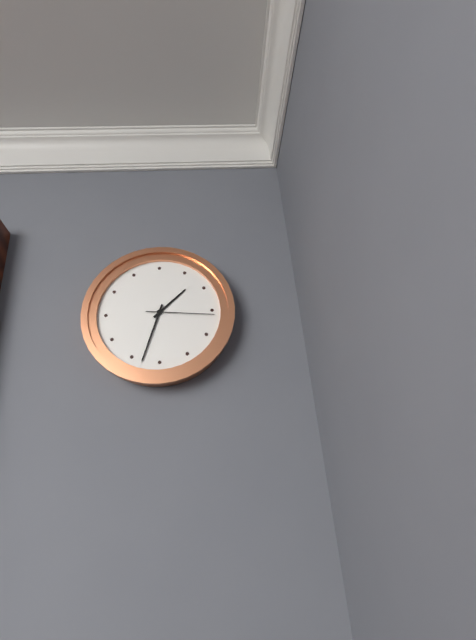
1:33:16
